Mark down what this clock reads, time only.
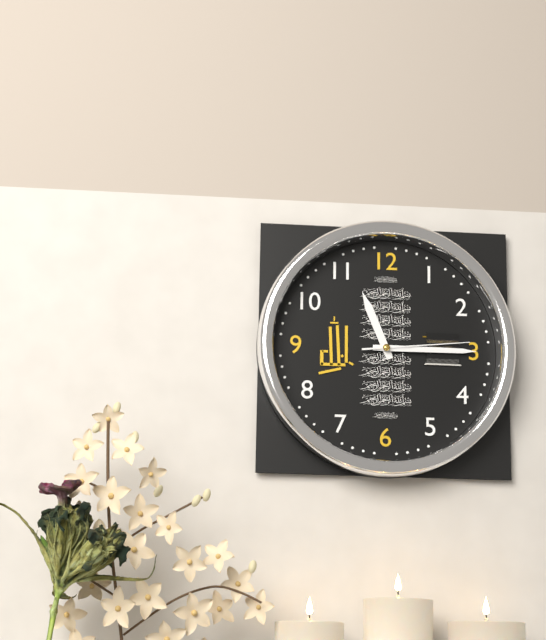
11:15:14
